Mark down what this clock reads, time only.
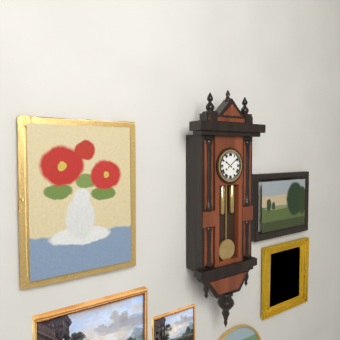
10:09
